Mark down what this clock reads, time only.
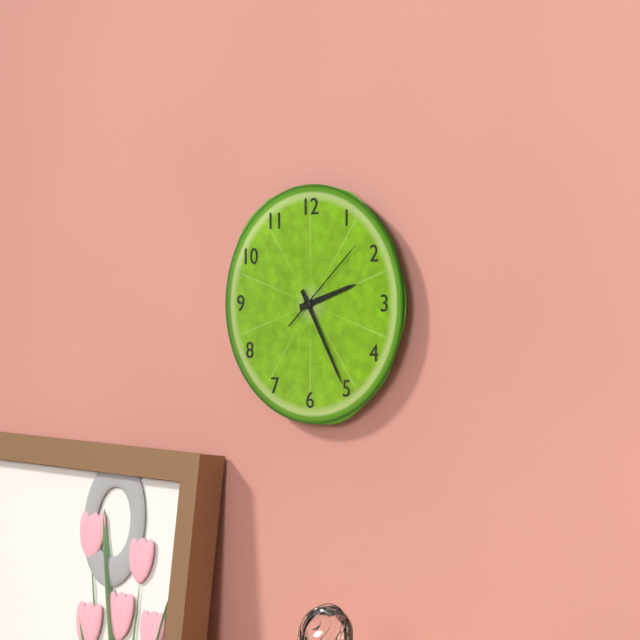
2:25:08
